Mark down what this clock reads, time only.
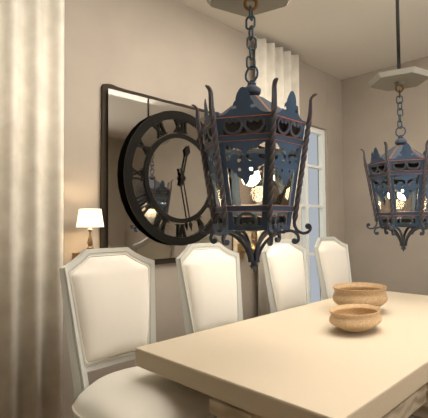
12:28
